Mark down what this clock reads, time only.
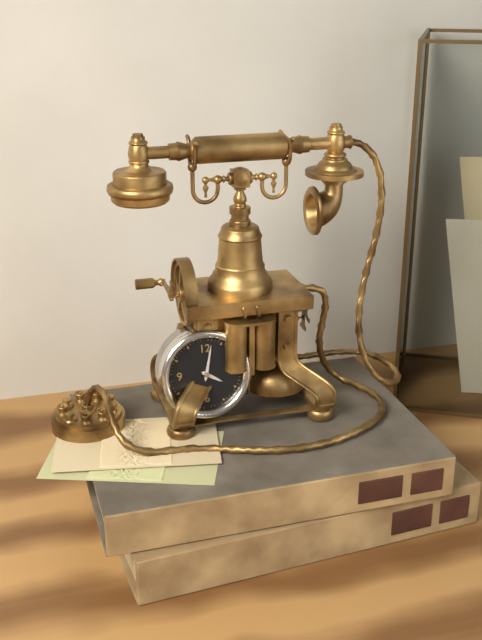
4:02
